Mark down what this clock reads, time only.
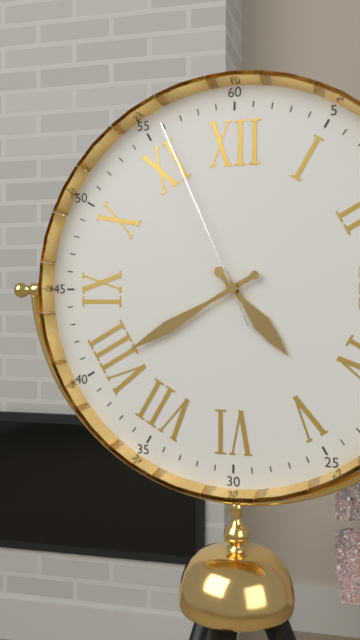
4:40:56
